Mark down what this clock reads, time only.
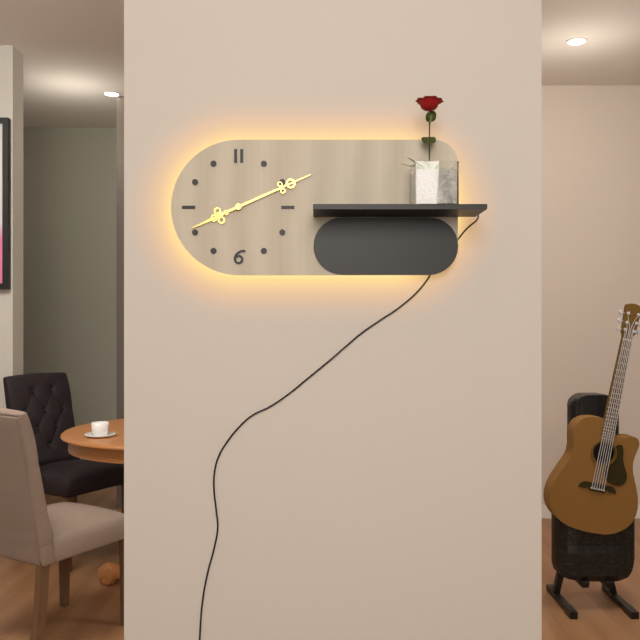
8:11
